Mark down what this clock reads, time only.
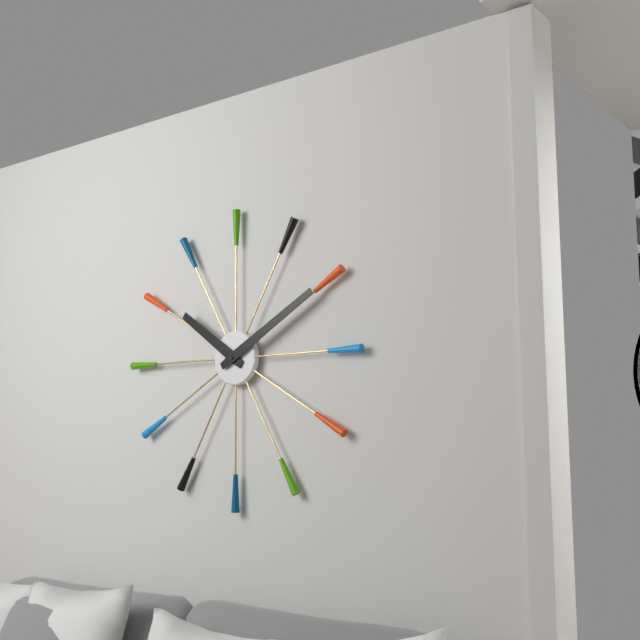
10:10
